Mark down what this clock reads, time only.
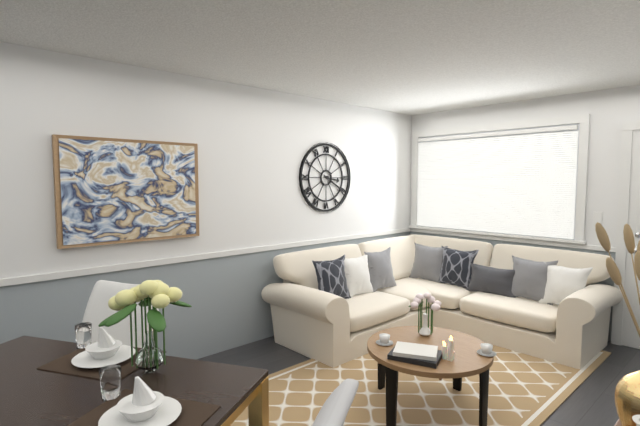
3:20
